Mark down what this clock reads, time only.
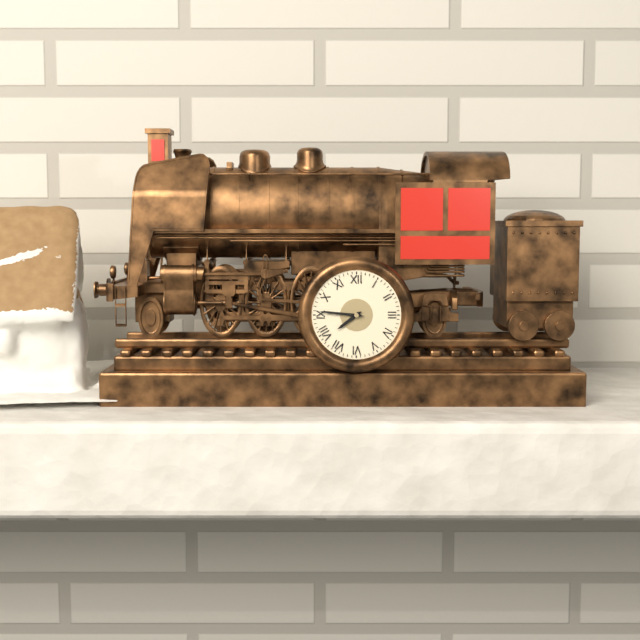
7:46
